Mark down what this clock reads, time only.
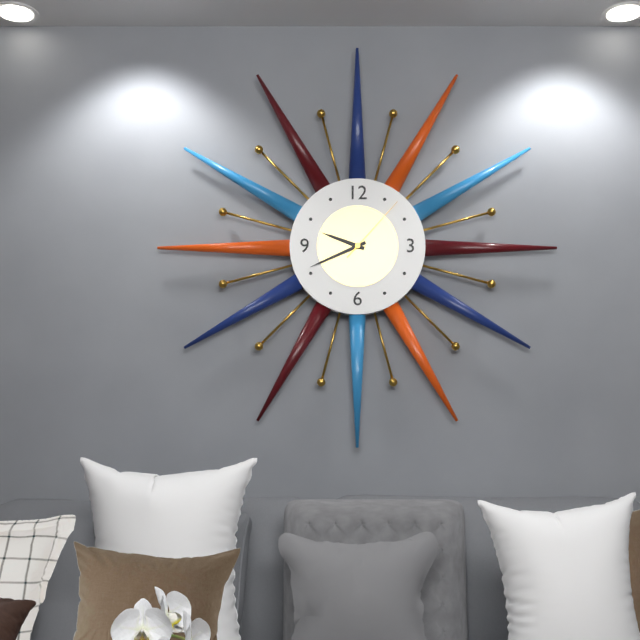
9:41:07
